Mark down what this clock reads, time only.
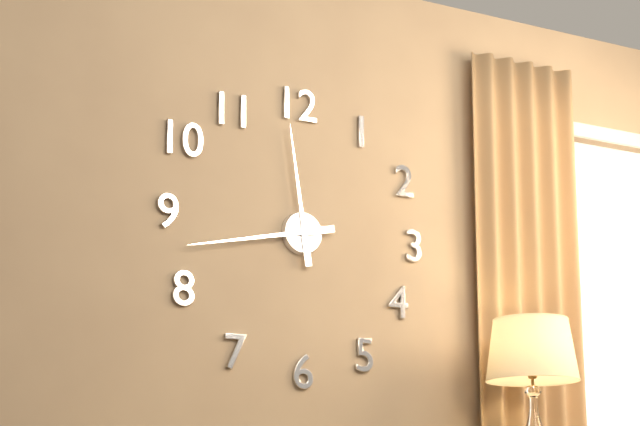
11:43
